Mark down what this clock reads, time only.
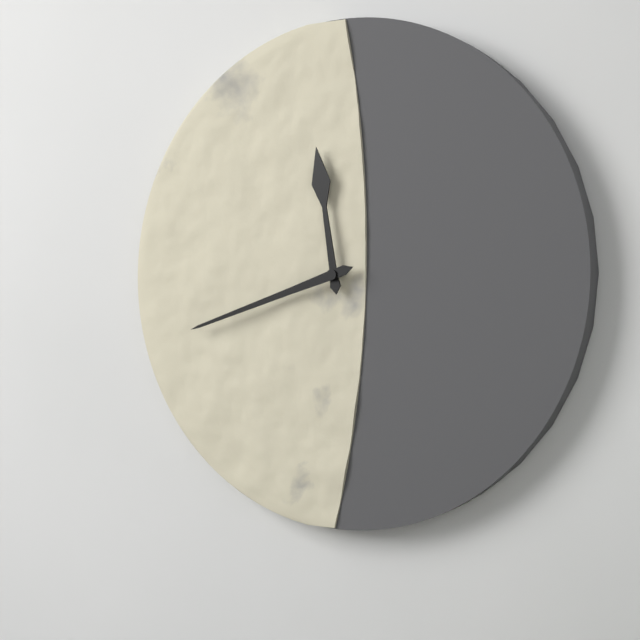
11:42
